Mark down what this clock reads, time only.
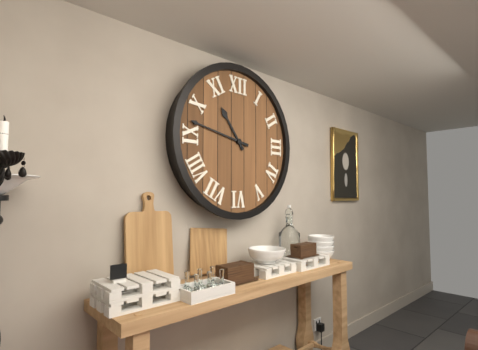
10:47
